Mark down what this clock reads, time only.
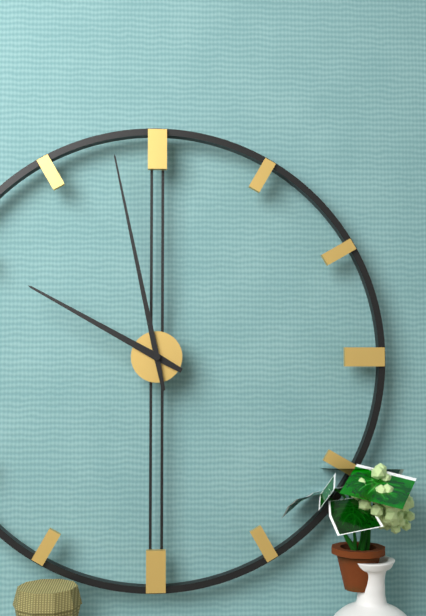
9:58
